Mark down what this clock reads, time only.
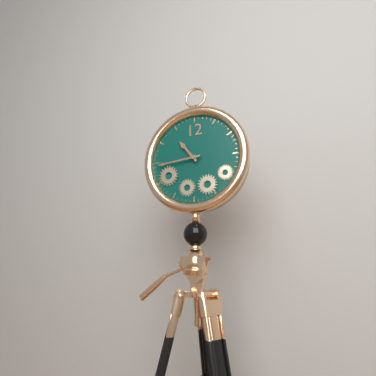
10:44
